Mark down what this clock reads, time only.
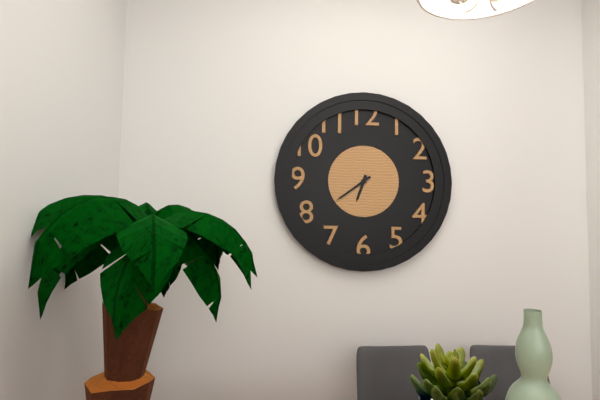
6:39
